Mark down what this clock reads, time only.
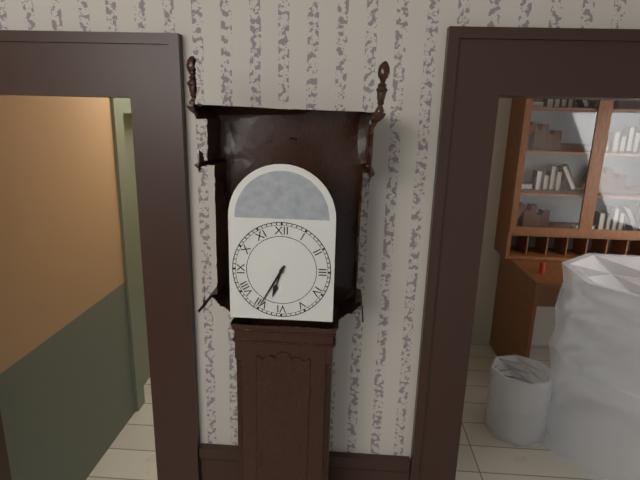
6:35
